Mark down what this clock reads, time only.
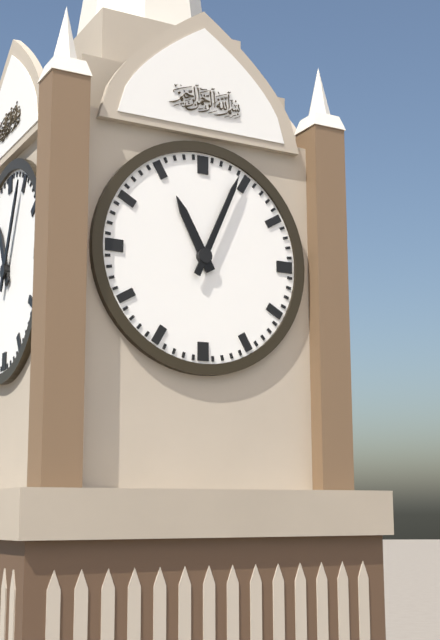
11:04
